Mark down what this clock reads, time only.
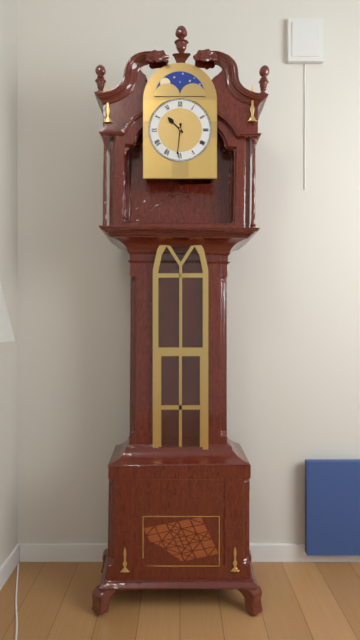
10:31
